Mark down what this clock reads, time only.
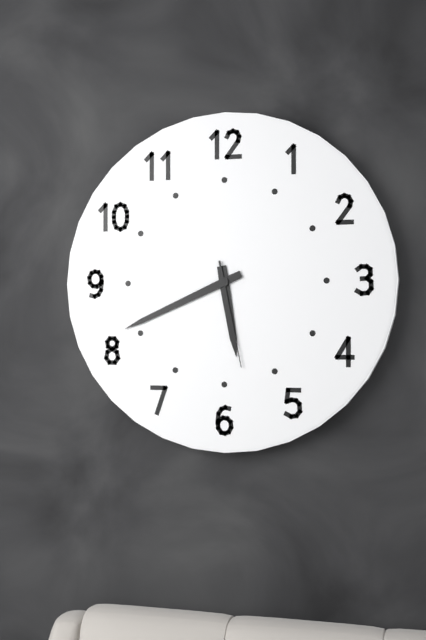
5:41:28
